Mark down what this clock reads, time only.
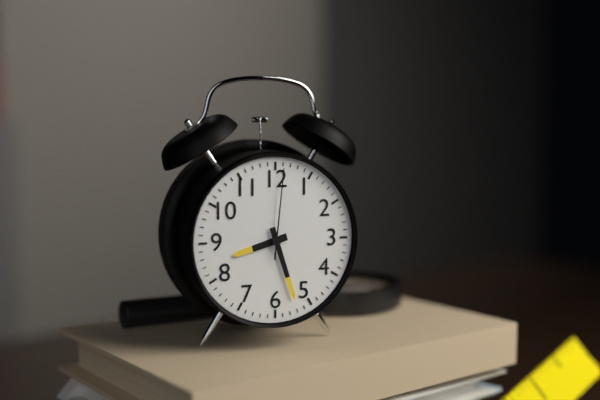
8:27:01
